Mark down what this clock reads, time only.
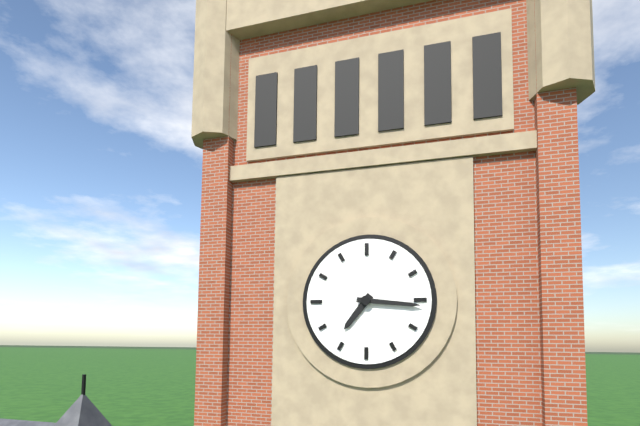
7:16
